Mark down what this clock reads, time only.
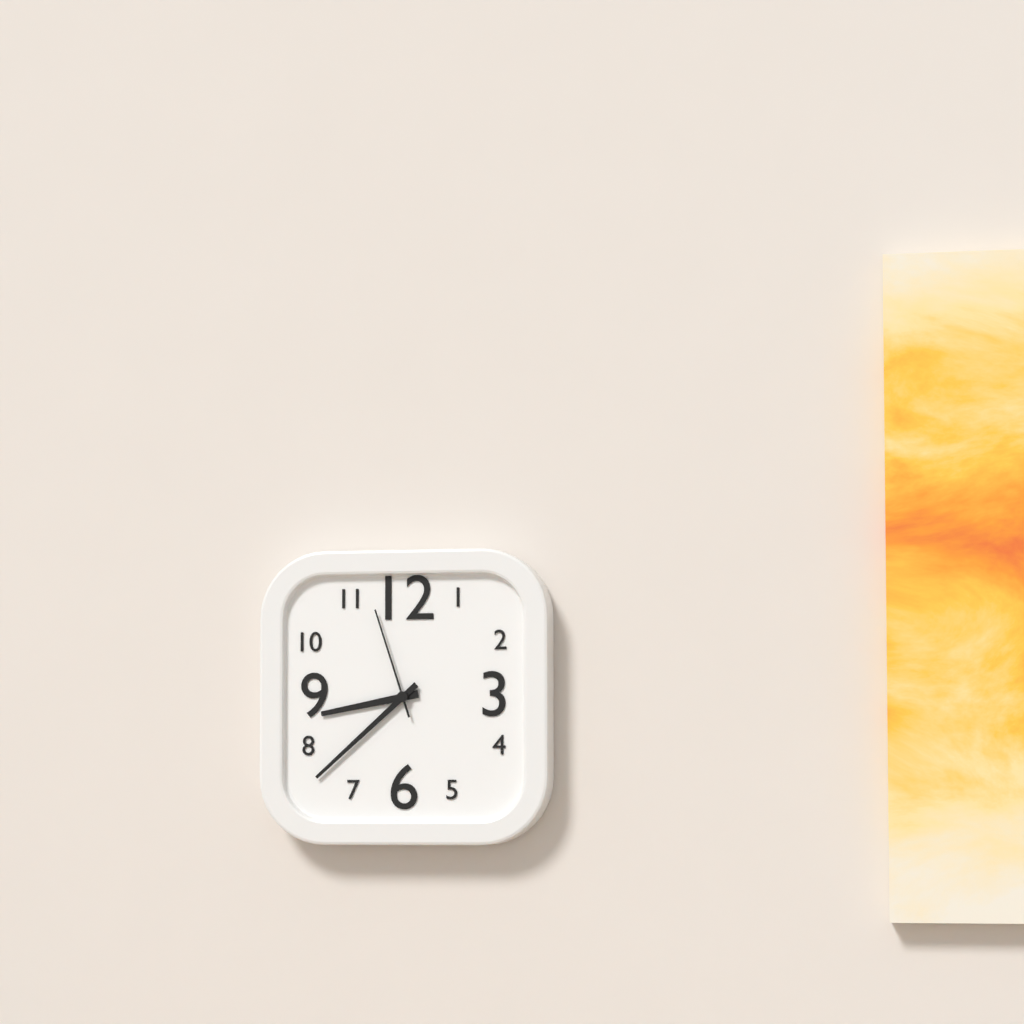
8:38:57
